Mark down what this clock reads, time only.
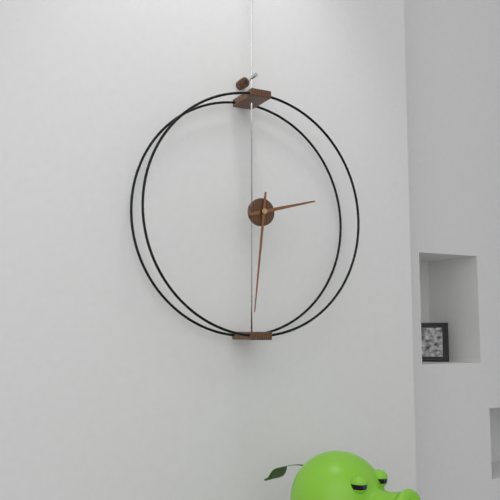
2:31
